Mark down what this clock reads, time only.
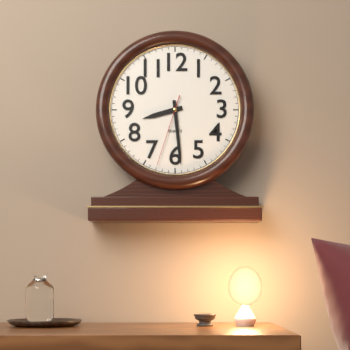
8:29:33
